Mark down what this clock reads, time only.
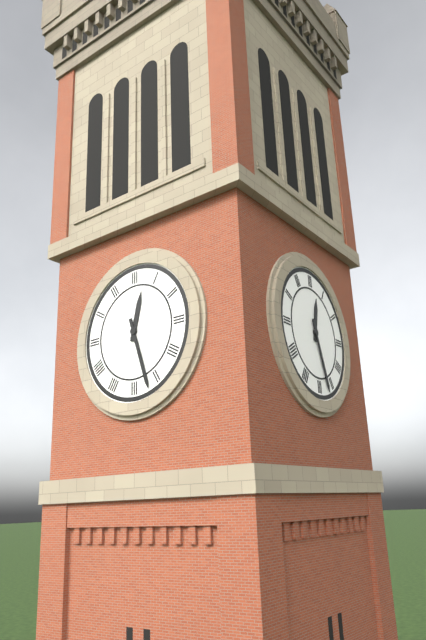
12:27
